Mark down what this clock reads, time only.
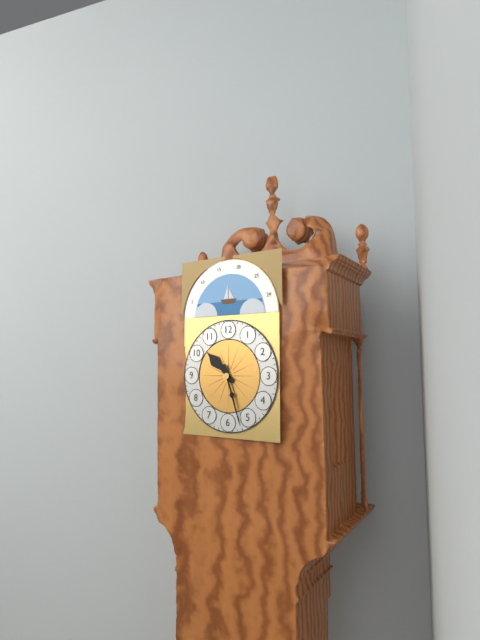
10:27
